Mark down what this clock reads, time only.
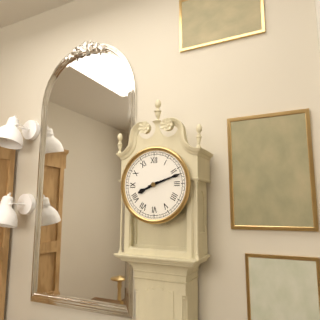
8:12
